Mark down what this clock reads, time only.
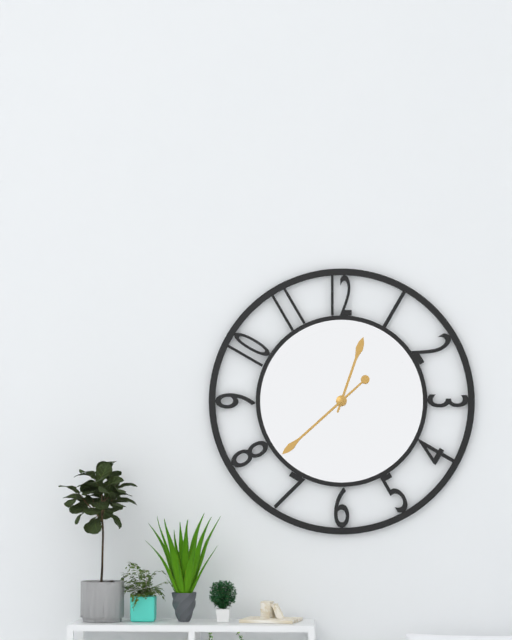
12:38
